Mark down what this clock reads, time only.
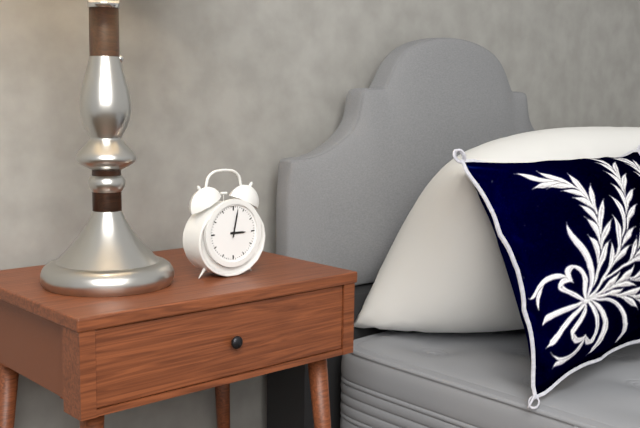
3:02
